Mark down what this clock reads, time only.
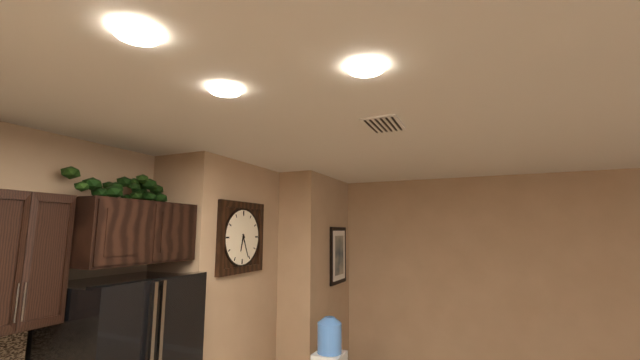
6:26
